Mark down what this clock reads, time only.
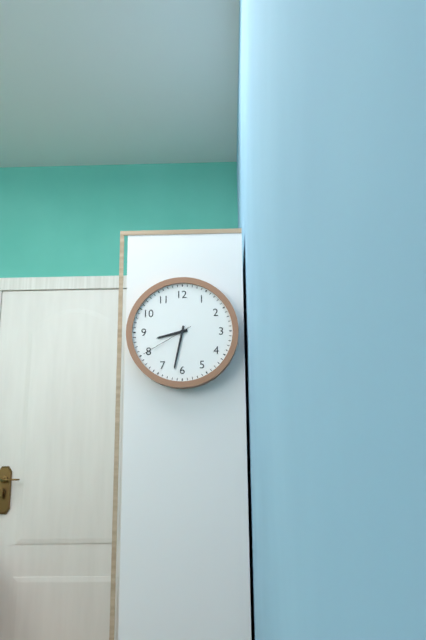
8:32:40
